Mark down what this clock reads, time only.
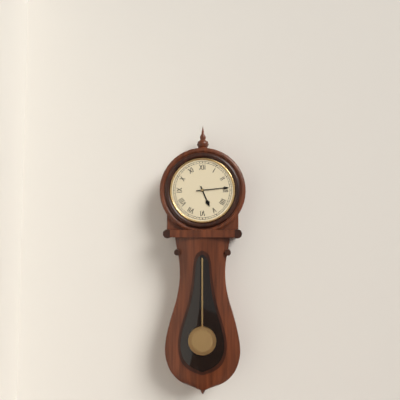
5:14
